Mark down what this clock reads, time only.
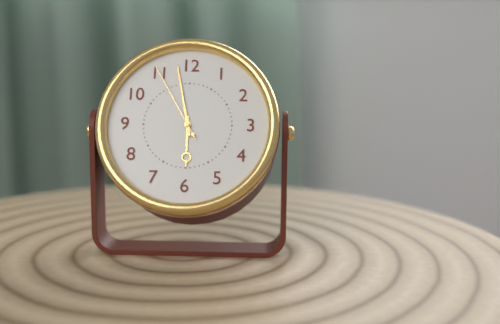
5:58:55
